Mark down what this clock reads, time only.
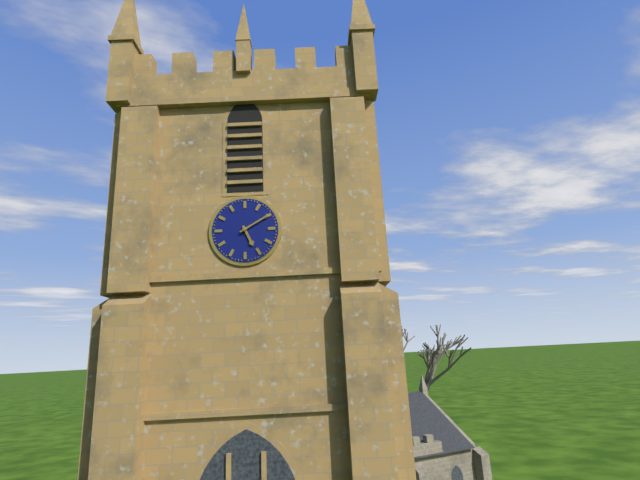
5:10
